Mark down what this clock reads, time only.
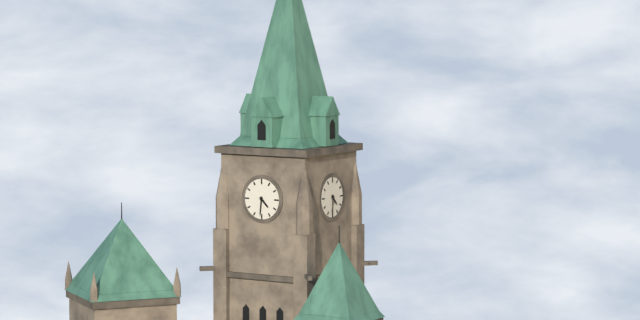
4:31
